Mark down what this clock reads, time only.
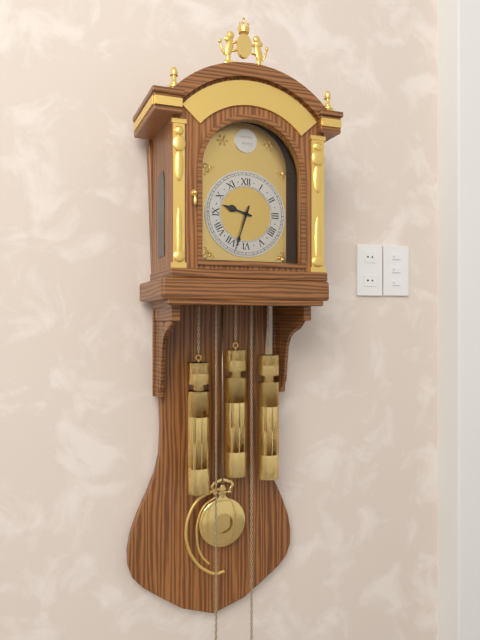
9:33
